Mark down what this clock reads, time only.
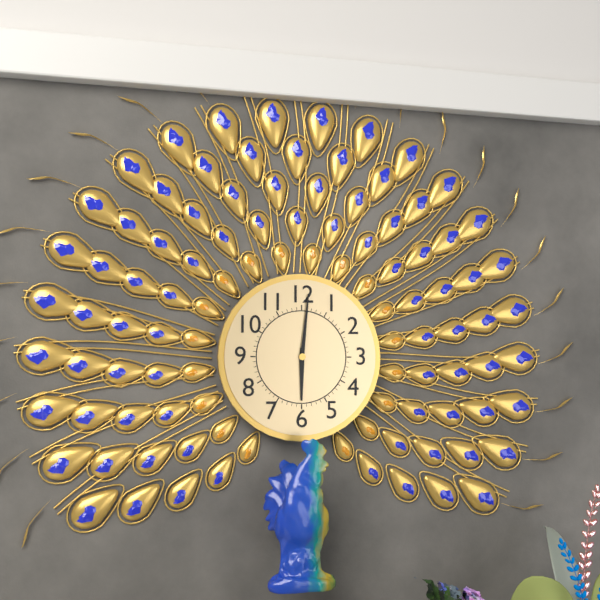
6:01
